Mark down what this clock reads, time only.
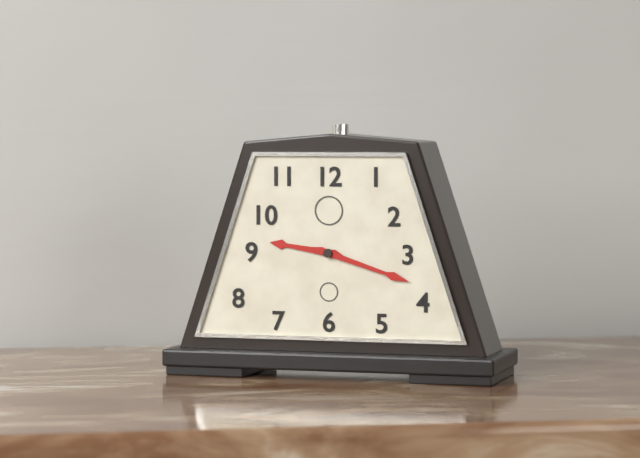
9:18
